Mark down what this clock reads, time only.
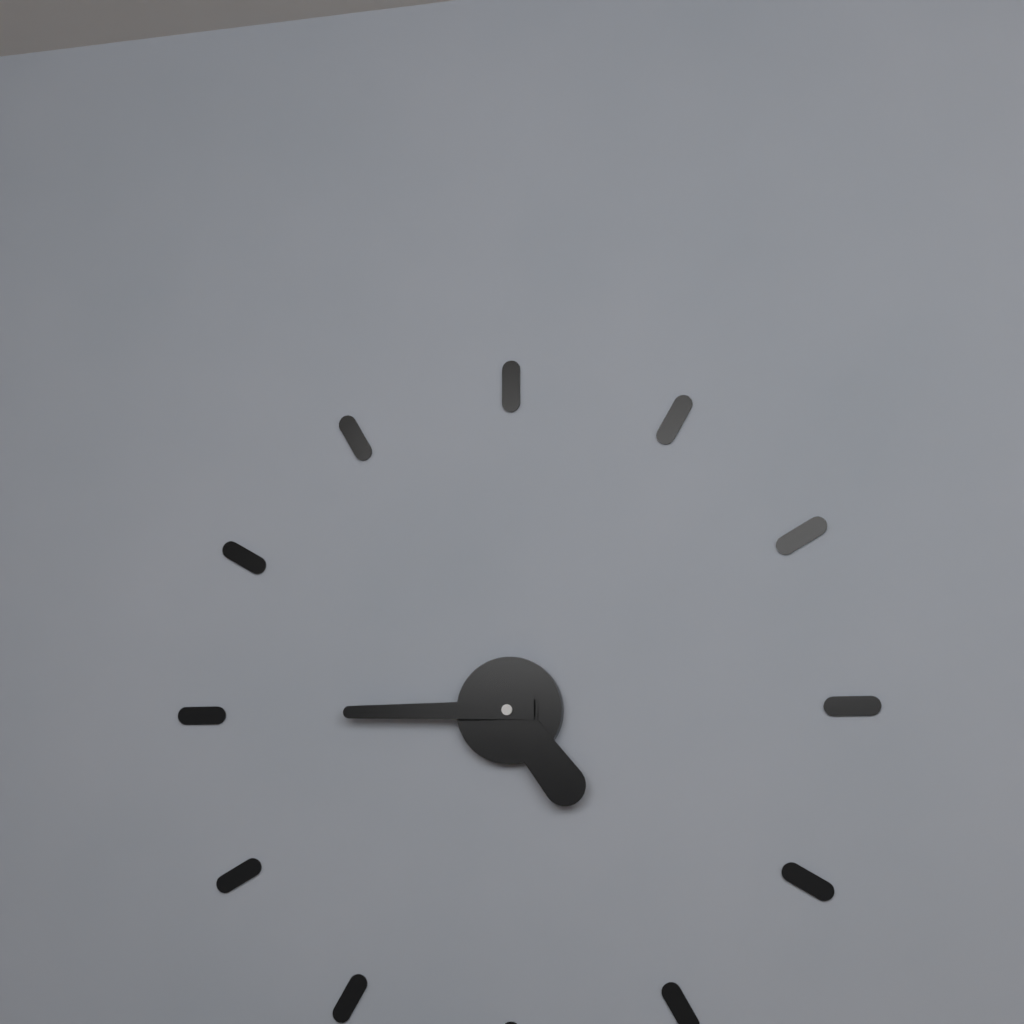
4:45
